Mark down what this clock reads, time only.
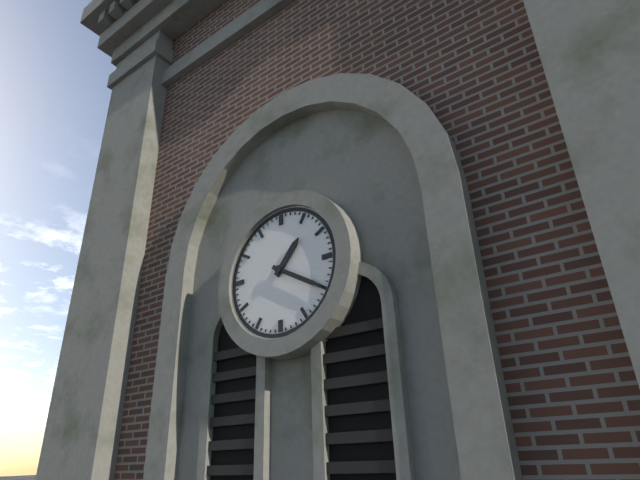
1:20
